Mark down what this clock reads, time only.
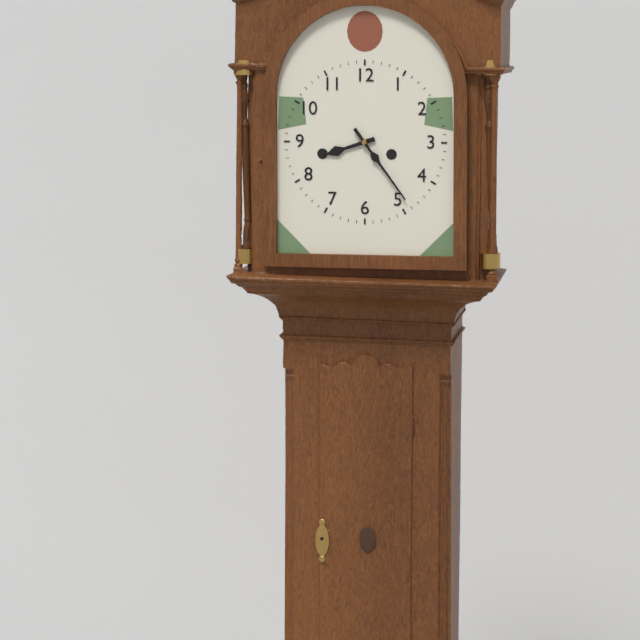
8:24
